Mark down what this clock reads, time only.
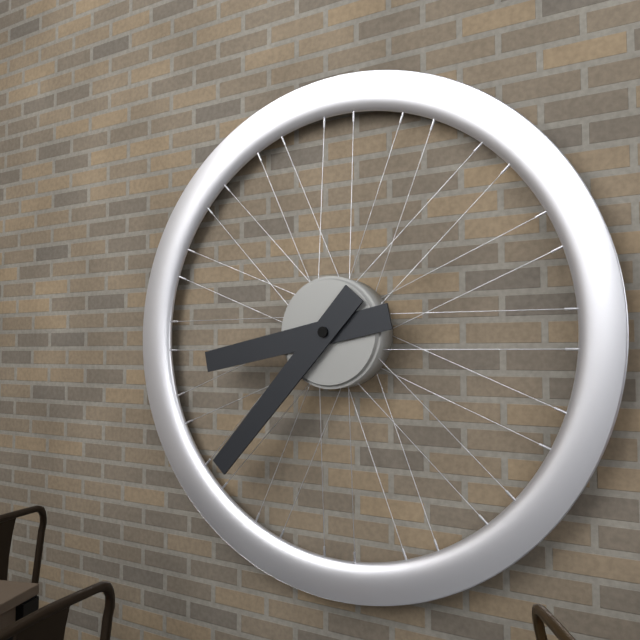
8:37
